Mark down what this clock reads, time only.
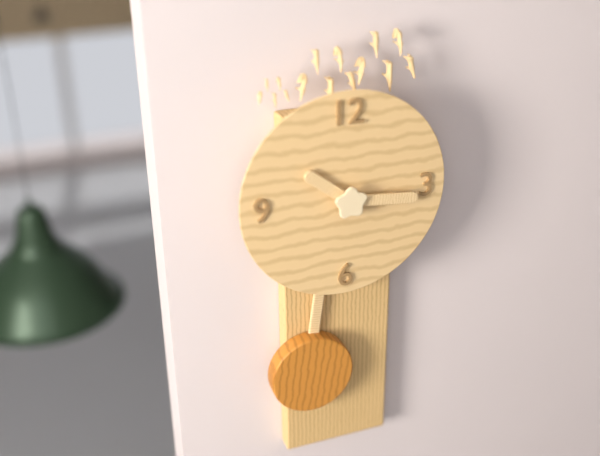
10:16
